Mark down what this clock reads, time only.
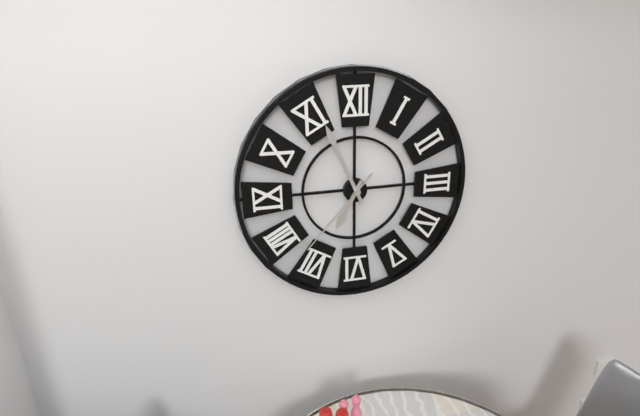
6:56:37
